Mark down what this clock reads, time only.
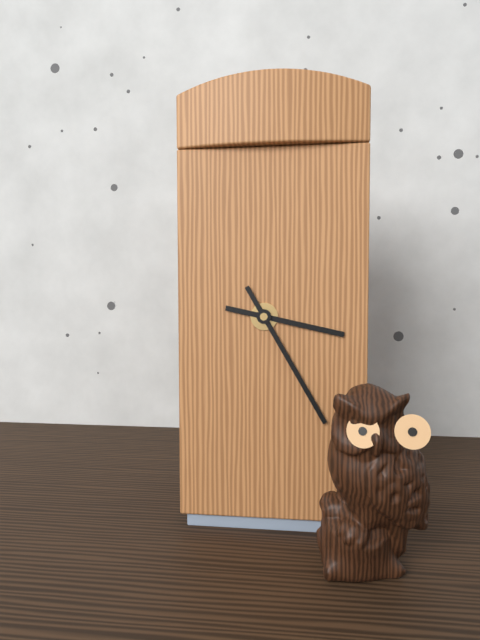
3:25
